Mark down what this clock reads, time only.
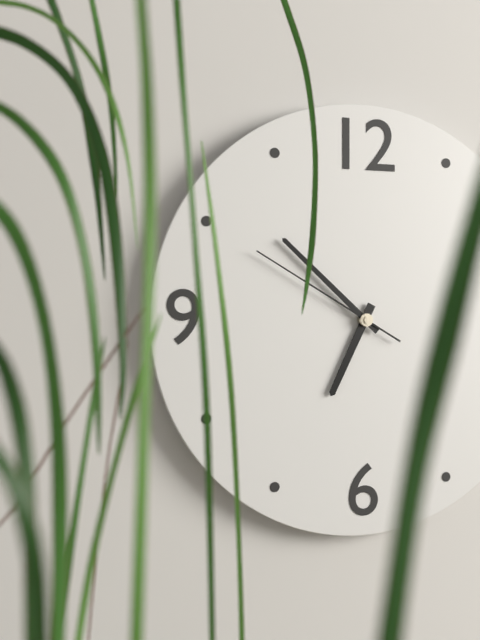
6:52:50
